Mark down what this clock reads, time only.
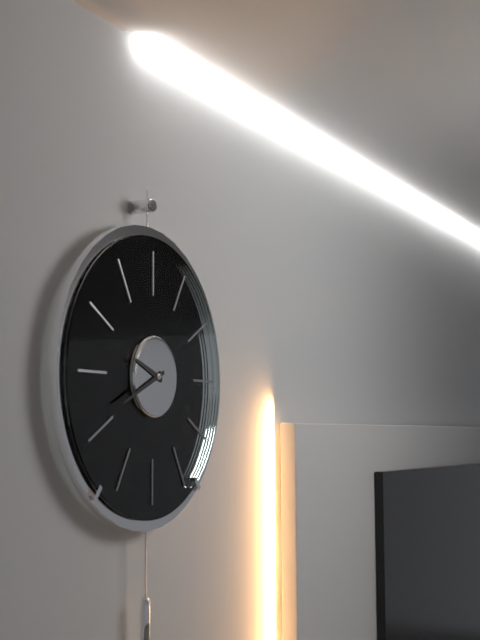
9:41
